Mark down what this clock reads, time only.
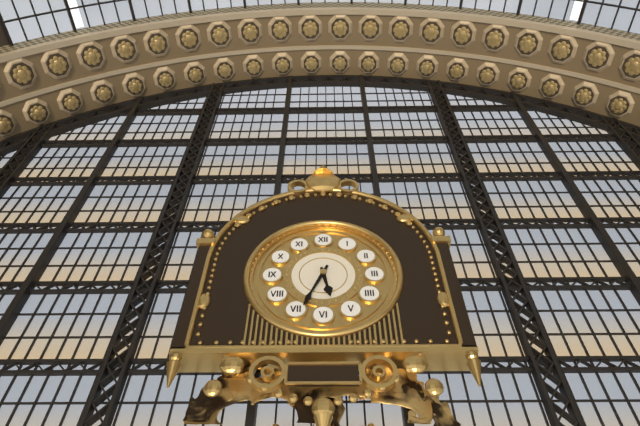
5:34
